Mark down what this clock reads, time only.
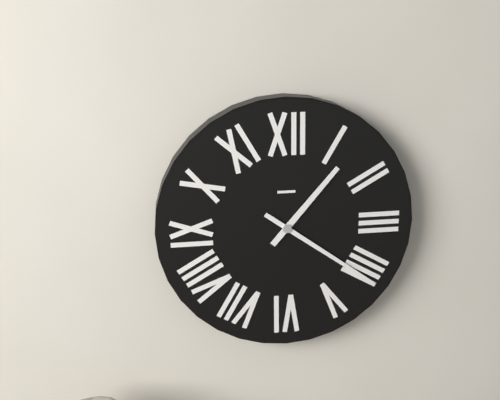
1:21
